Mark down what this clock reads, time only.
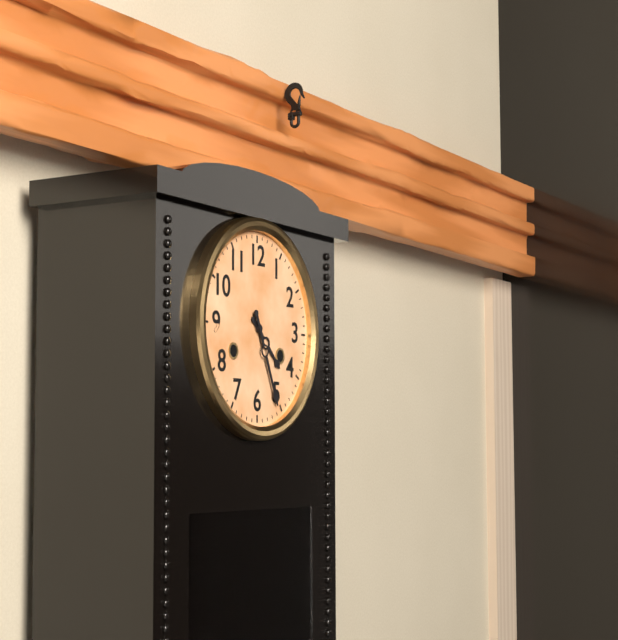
4:26
